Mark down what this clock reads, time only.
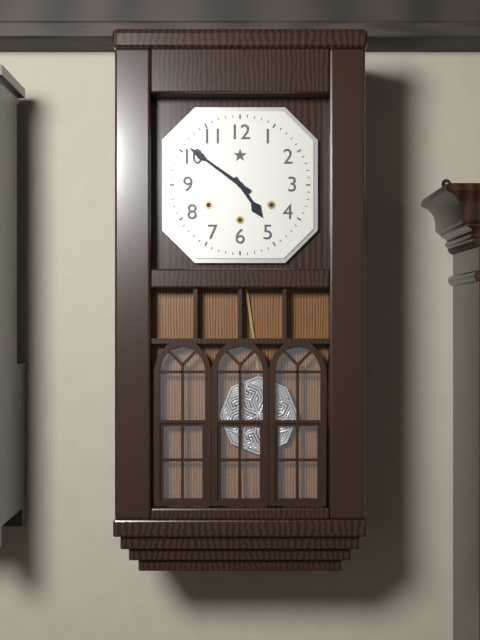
4:51
